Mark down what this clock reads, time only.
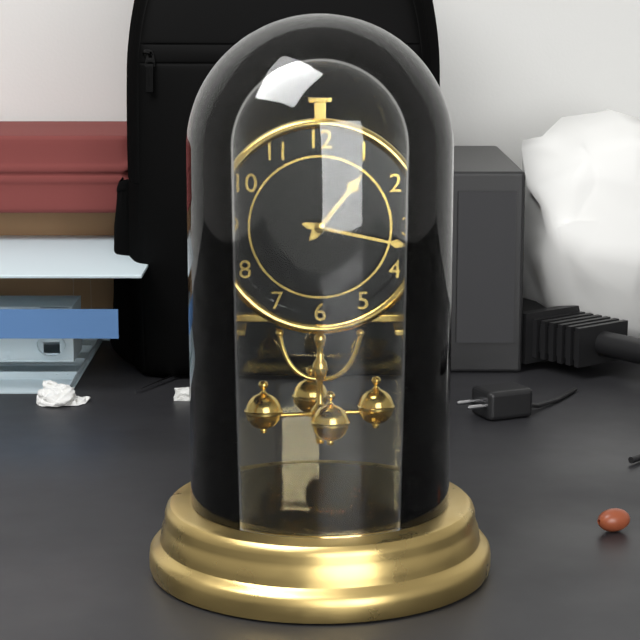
1:17
